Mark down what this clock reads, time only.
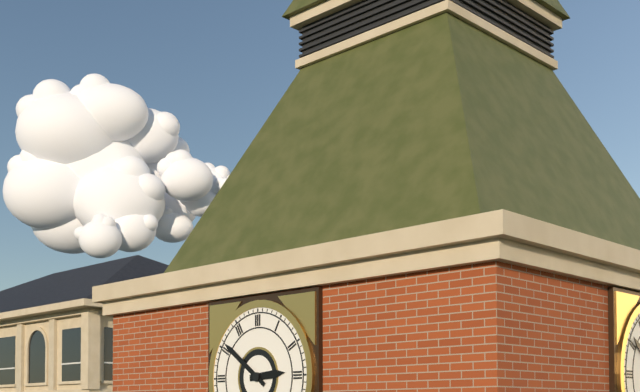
2:51
